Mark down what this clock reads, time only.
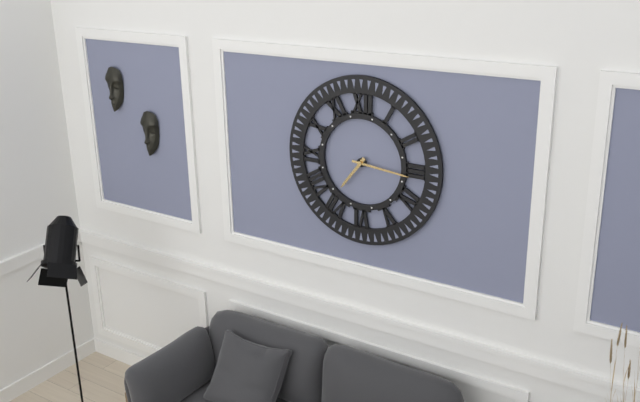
7:16
